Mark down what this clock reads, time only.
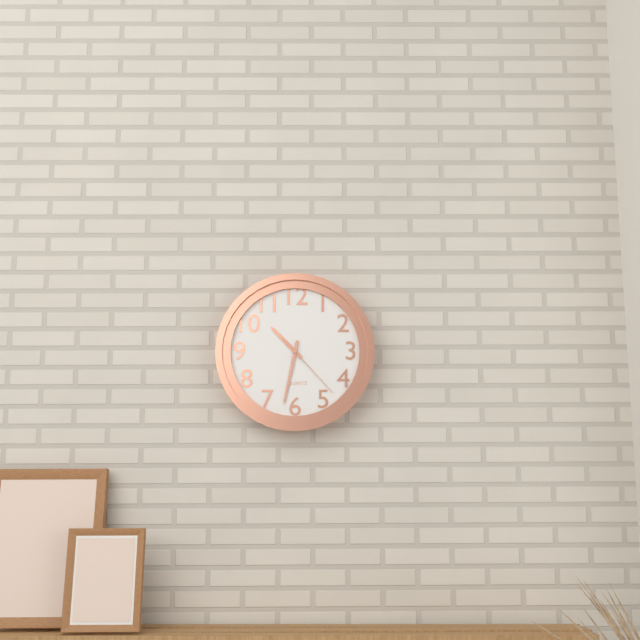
10:32:23
